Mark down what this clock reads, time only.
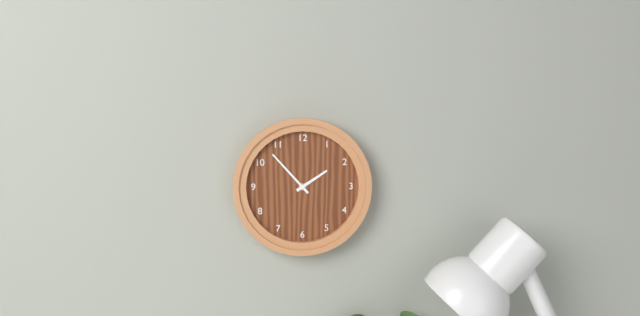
1:53
